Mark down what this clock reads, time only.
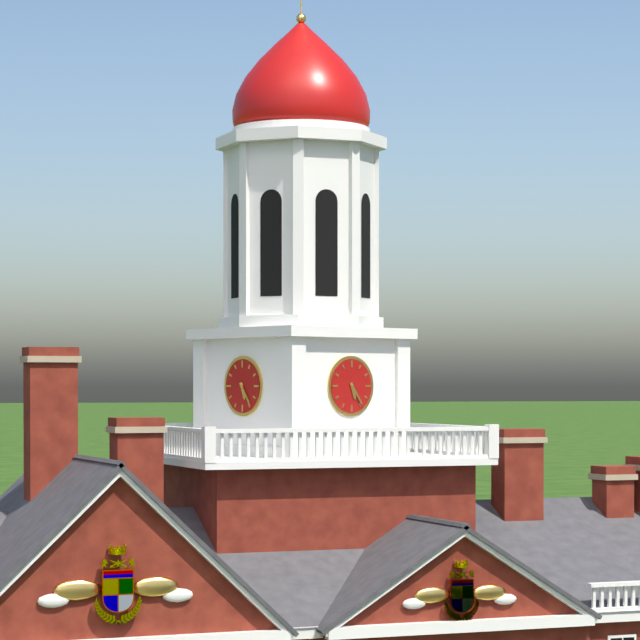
5:24
